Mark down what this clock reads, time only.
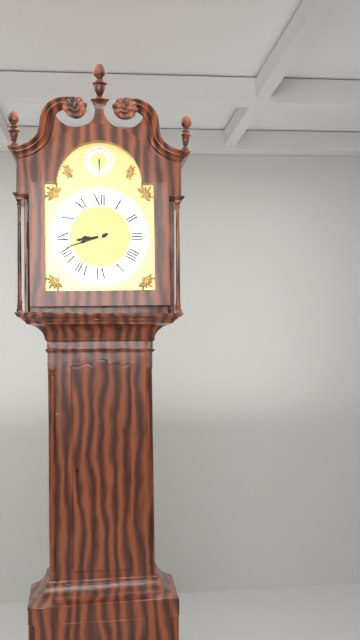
8:42
